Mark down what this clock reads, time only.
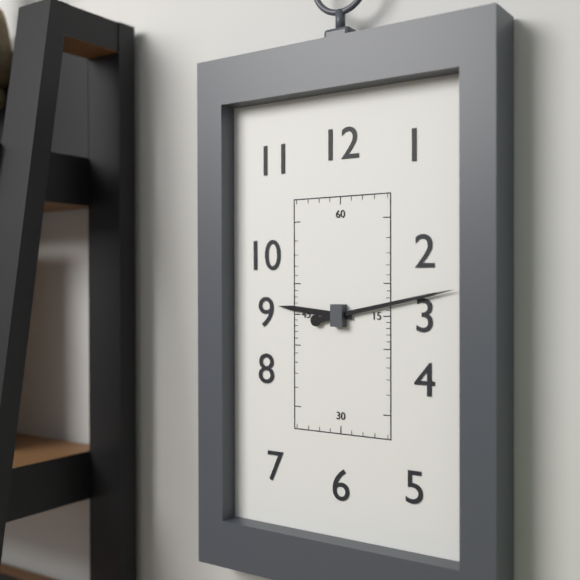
9:13
